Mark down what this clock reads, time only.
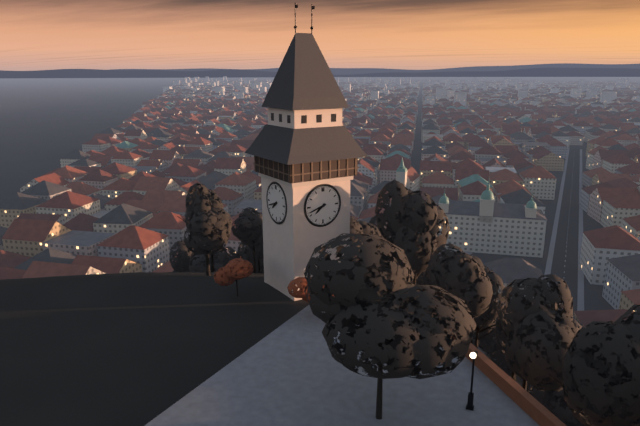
7:42
